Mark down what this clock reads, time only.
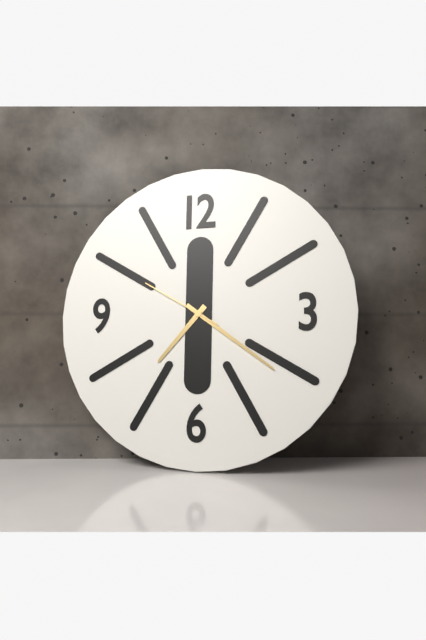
7:21:50
